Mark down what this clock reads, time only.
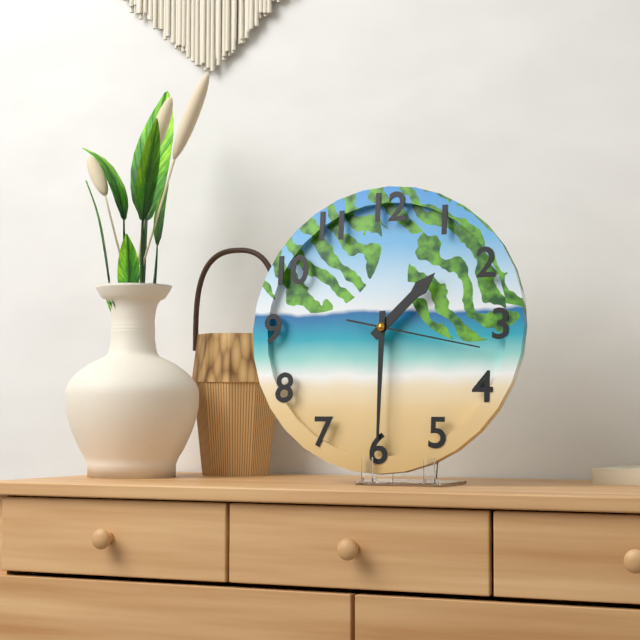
1:30:17
